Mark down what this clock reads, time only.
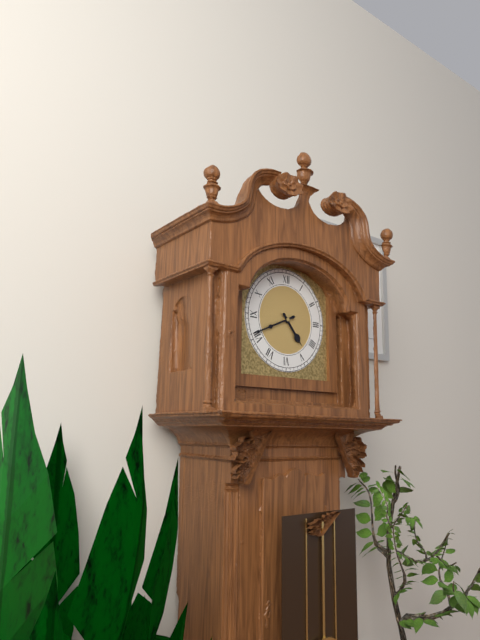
4:41
